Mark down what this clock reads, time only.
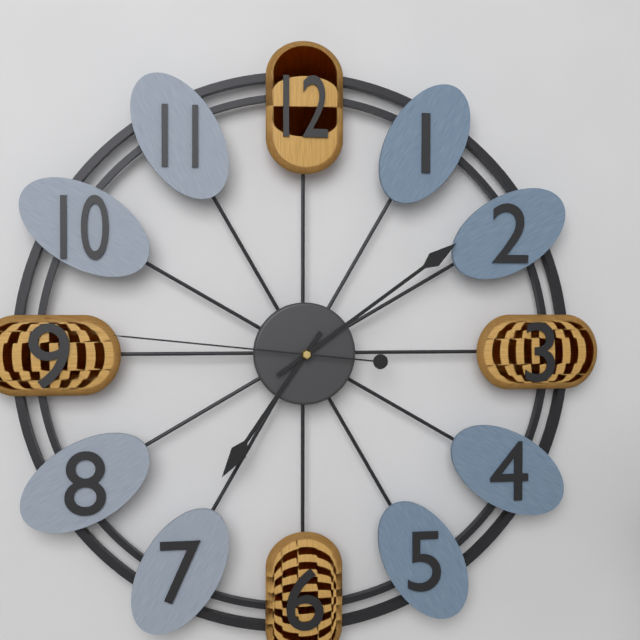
7:09:46
